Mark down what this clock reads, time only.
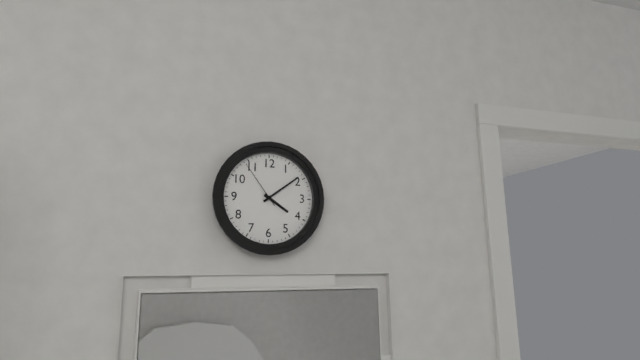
4:09:54
